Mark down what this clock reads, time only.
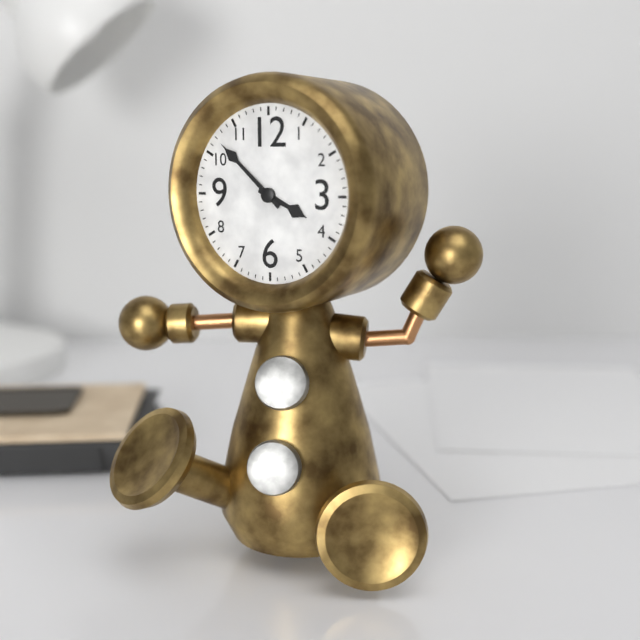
3:52
